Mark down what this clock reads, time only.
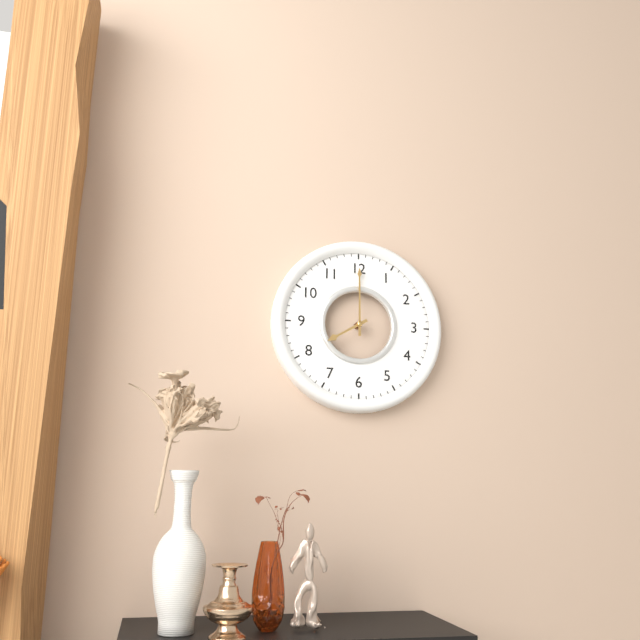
8:00
